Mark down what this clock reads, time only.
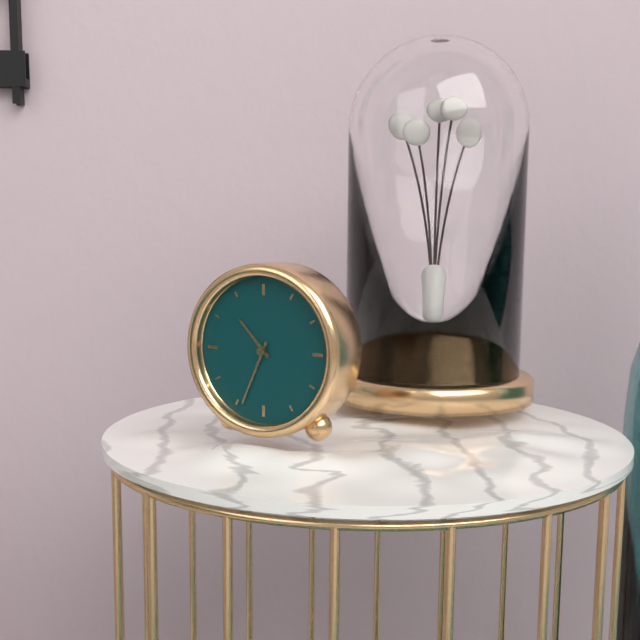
10:34
